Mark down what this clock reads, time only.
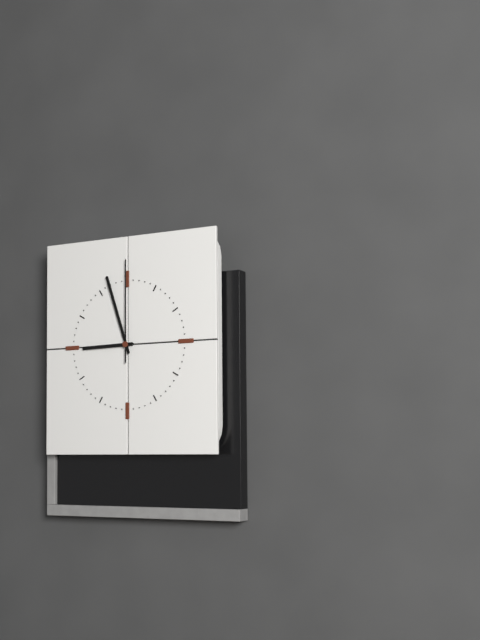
8:57:00
